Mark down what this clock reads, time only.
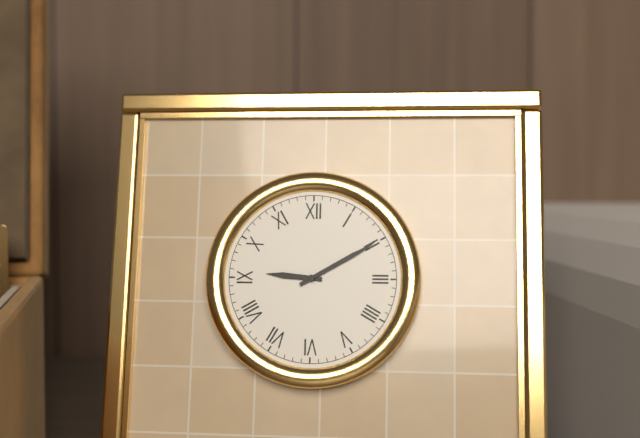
9:10
